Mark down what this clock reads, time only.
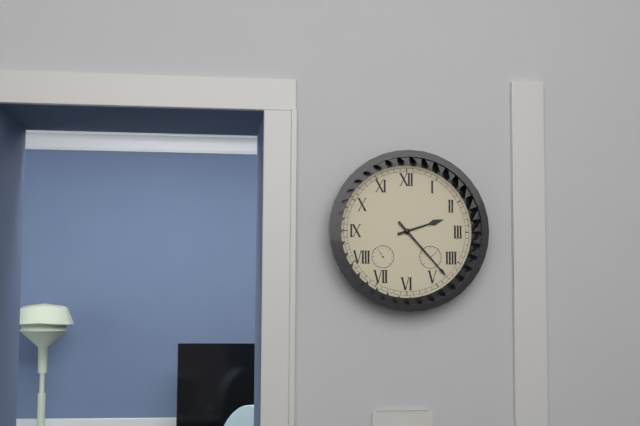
2:23
